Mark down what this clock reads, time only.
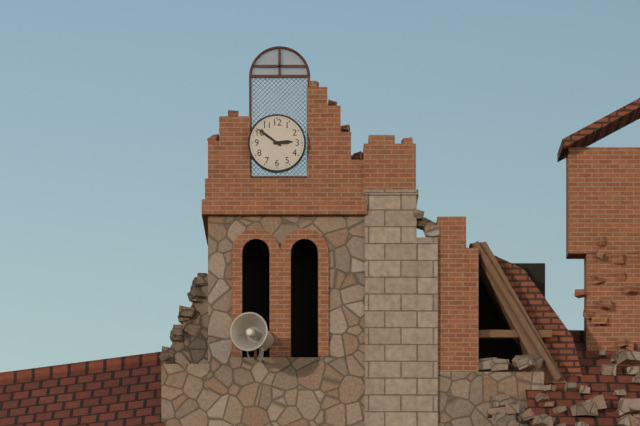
2:51
